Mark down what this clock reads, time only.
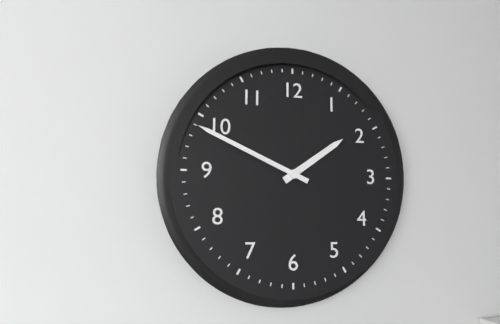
1:49
